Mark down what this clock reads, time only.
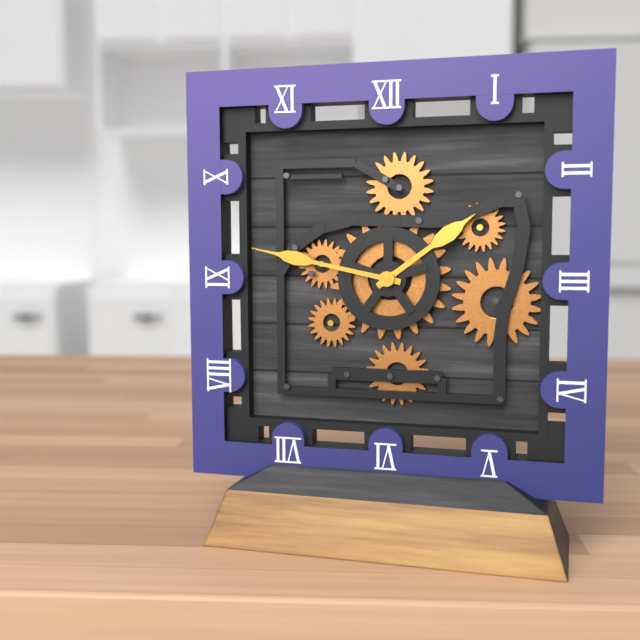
1:47
